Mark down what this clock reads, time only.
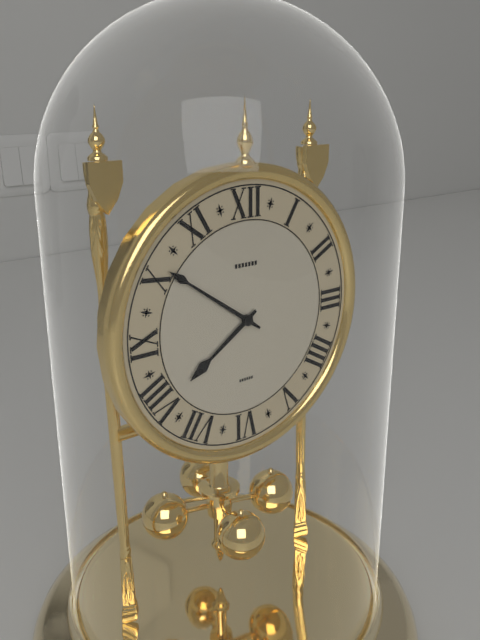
7:51
